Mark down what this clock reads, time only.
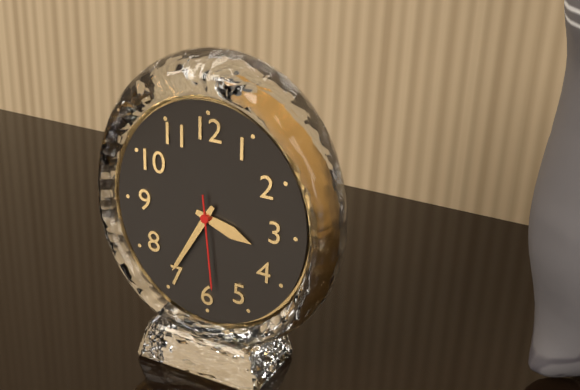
3:35:29
